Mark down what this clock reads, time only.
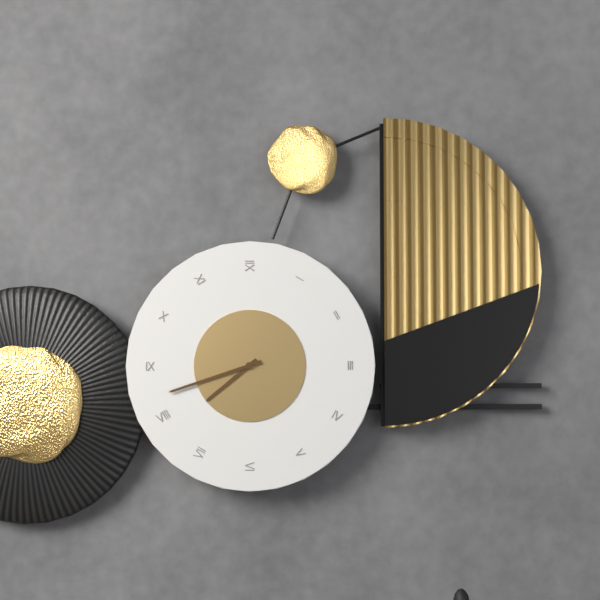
7:42
